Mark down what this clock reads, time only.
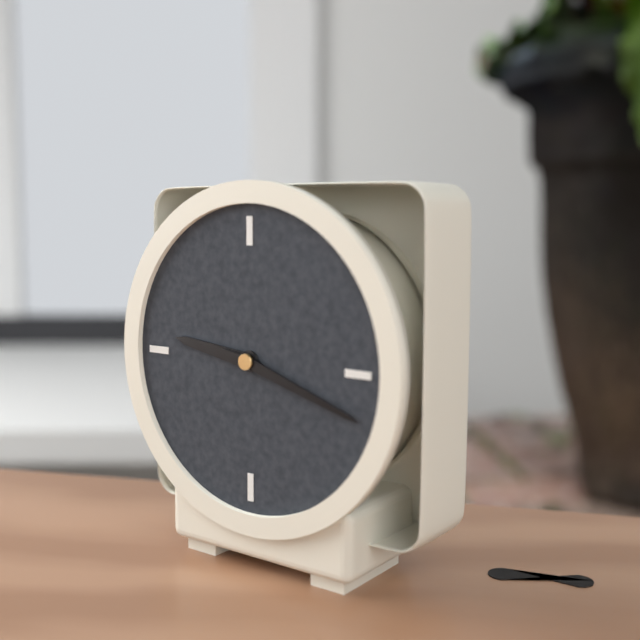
9:18
